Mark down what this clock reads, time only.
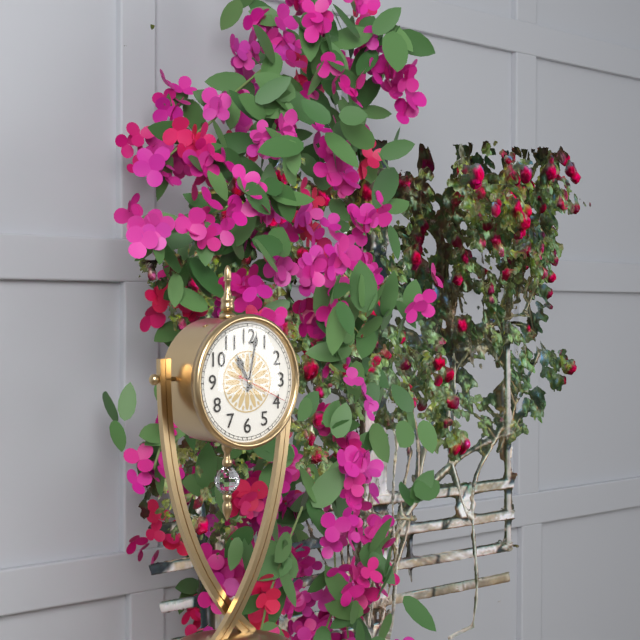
11:02:19
